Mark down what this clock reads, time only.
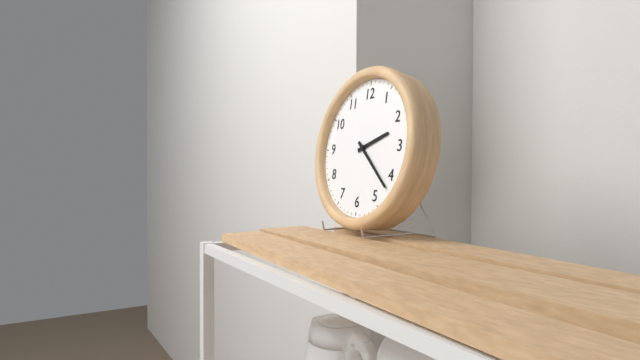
2:22
